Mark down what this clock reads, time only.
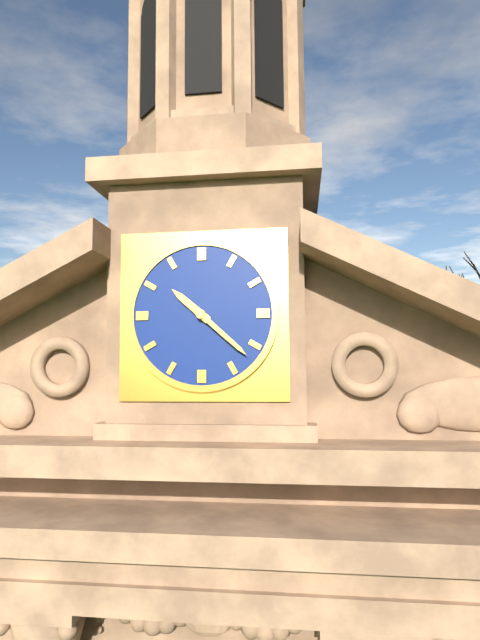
10:22
